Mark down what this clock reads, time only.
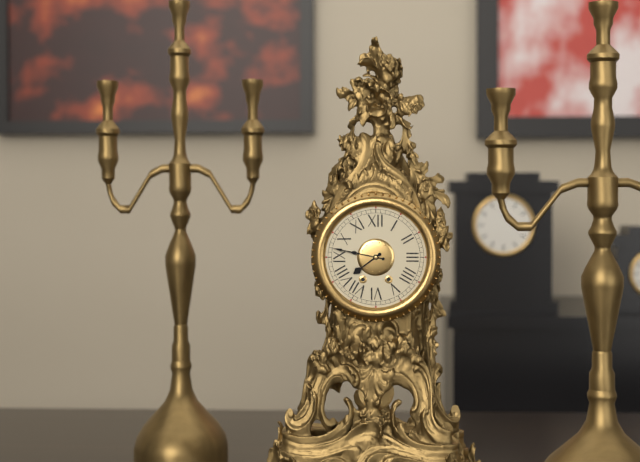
7:47
